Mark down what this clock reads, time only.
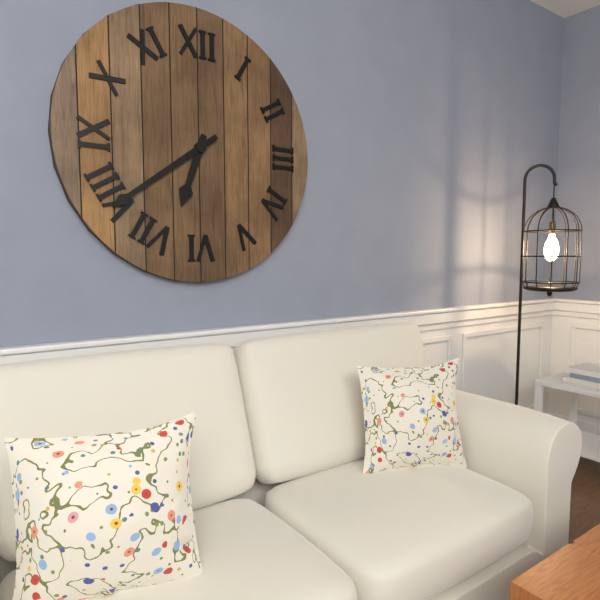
6:39
